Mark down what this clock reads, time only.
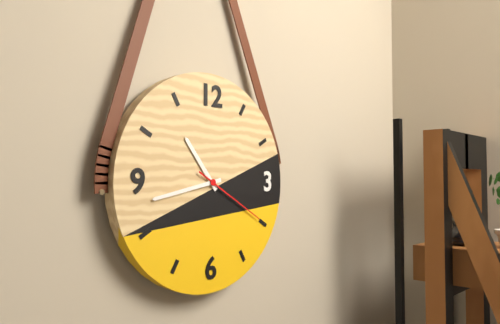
10:43:20
